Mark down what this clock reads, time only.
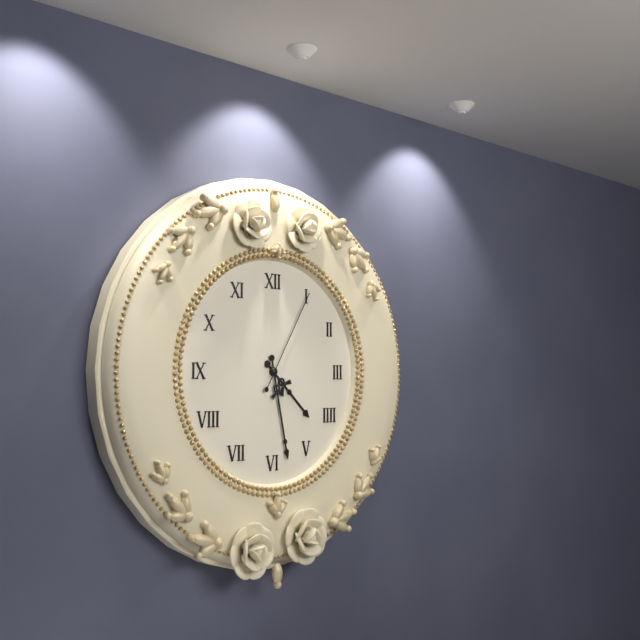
4:28:05
